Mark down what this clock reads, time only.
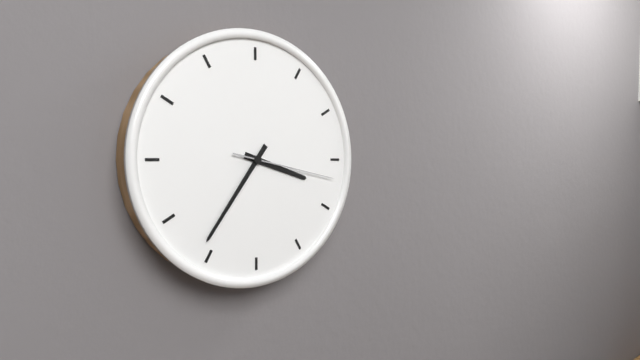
3:36:17
